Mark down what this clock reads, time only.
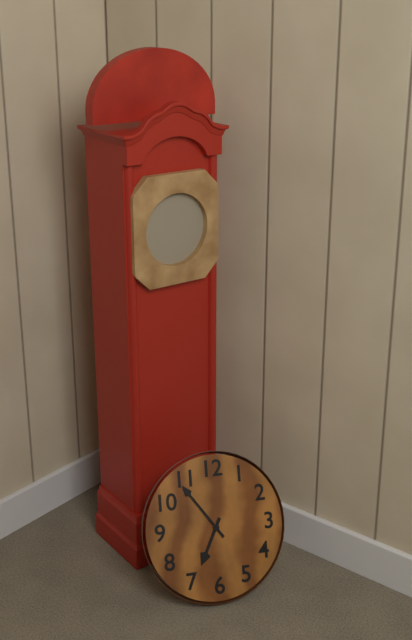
6:54
